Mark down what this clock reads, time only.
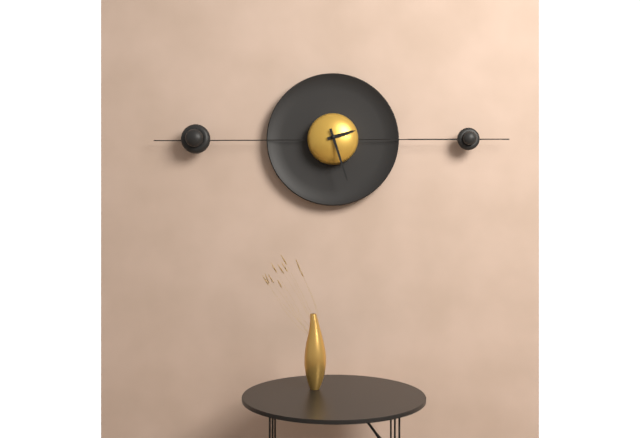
2:27
